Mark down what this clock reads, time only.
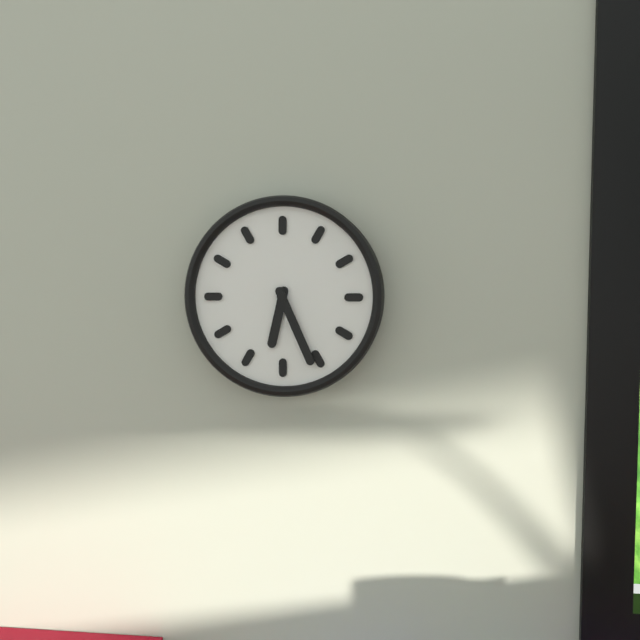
6:26
